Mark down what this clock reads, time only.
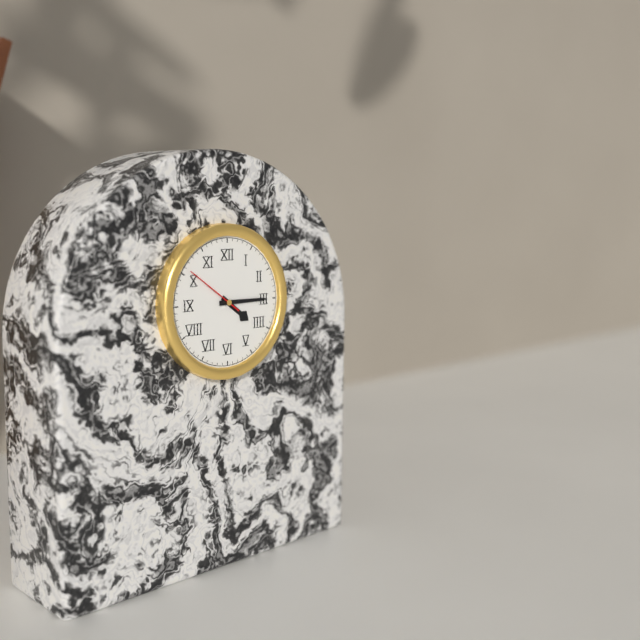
4:15:51
